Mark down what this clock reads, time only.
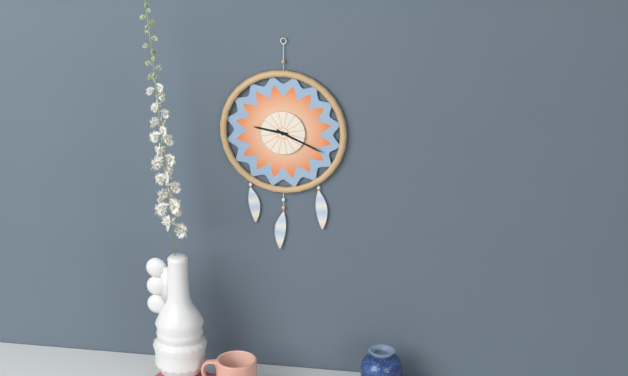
9:19
